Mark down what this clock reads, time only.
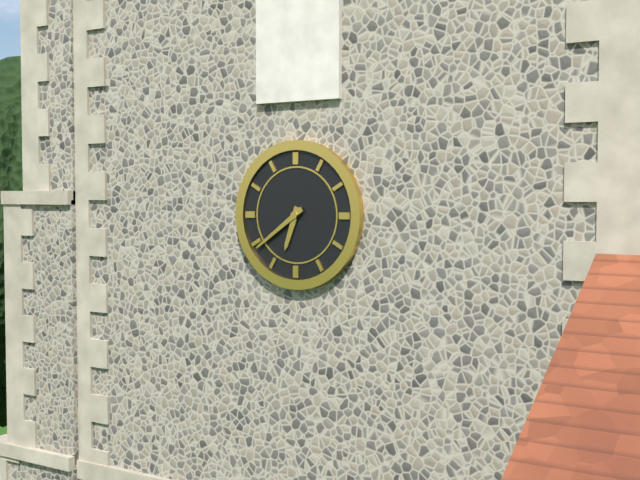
6:39
